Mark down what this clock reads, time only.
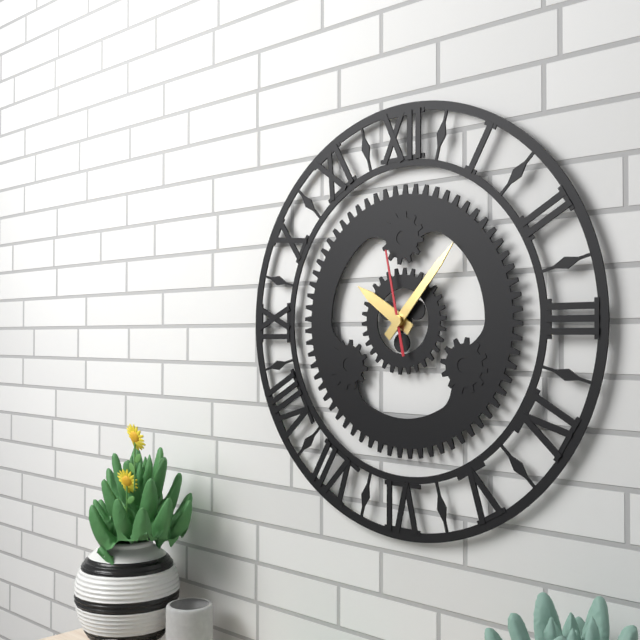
10:07:58
